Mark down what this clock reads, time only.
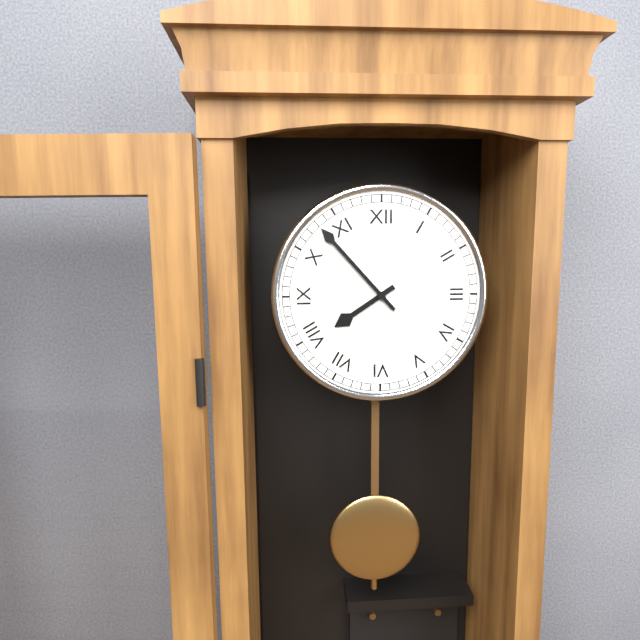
7:53
